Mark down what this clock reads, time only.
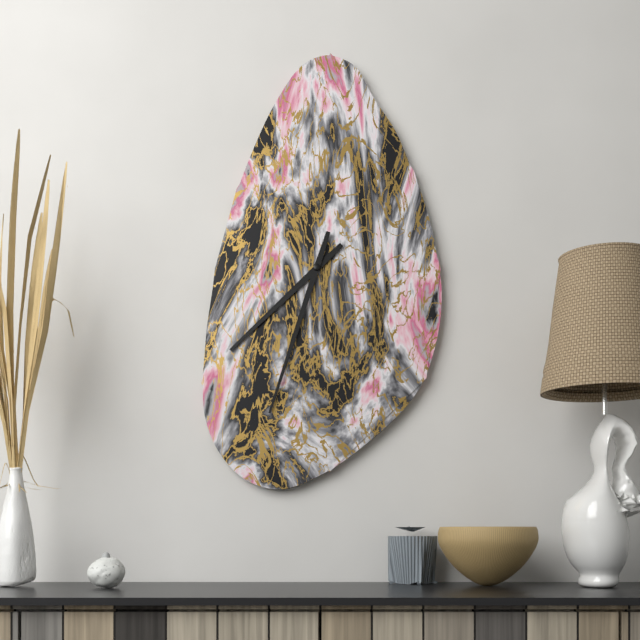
7:33
